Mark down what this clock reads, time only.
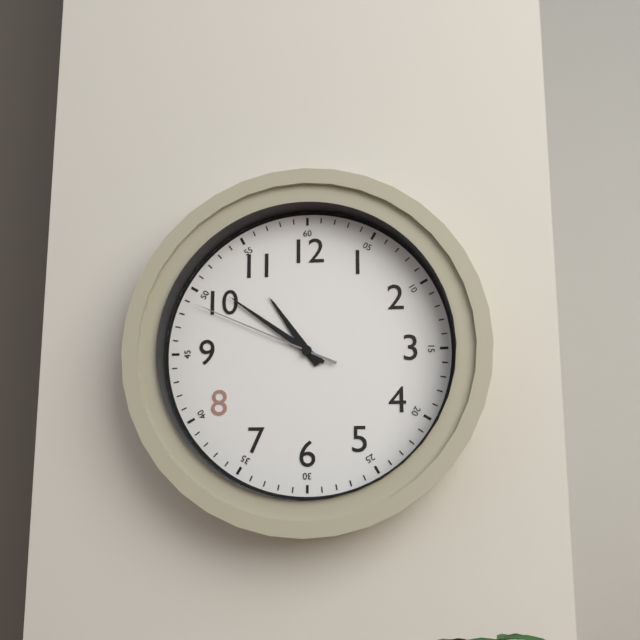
10:51:49
